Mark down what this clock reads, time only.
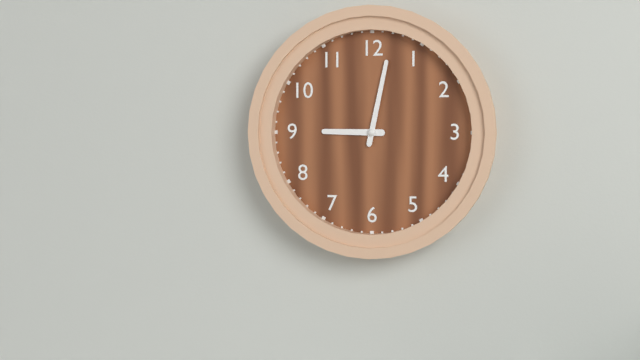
9:02
